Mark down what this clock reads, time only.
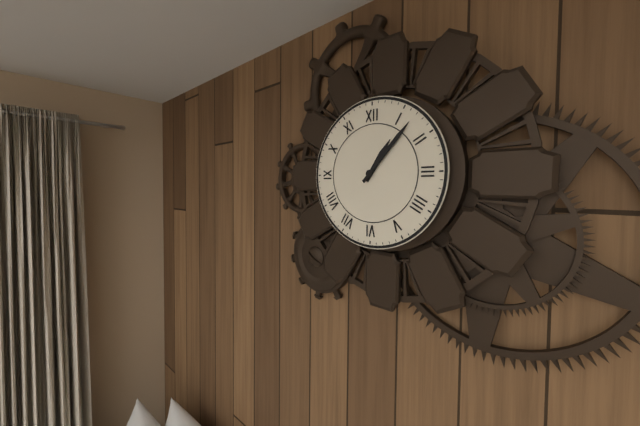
1:07
